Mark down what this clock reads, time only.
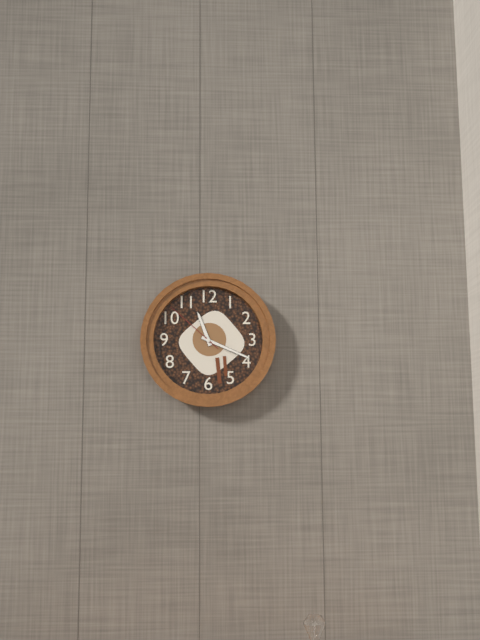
11:19:52
